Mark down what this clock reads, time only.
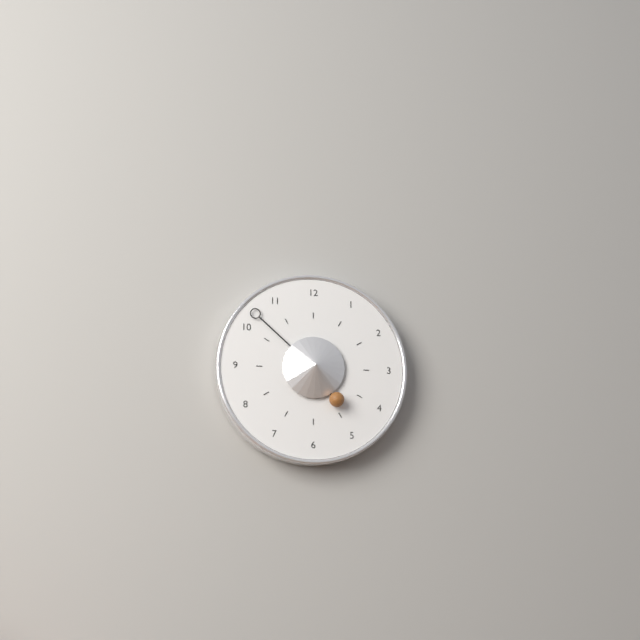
4:52
